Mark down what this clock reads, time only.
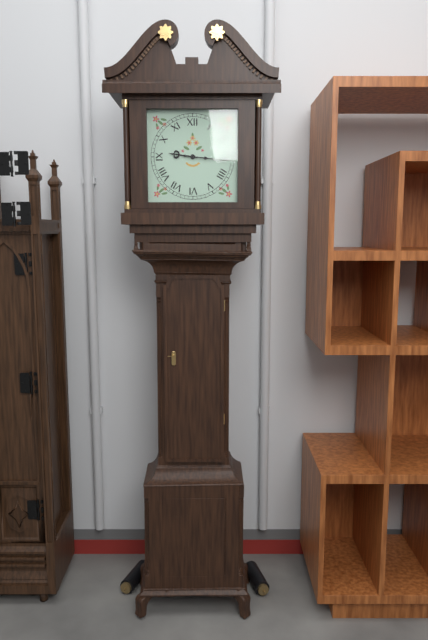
9:16
